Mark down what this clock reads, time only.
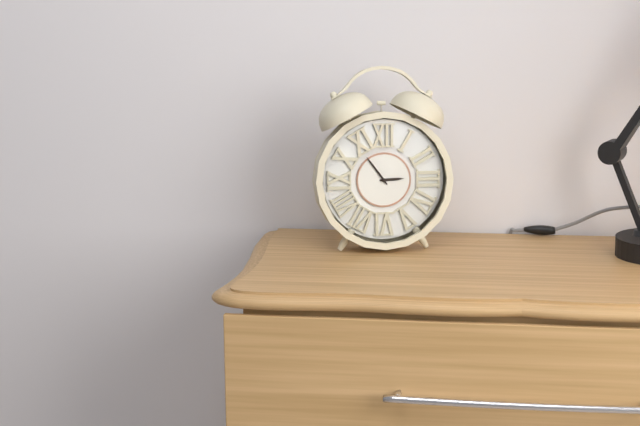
2:54
